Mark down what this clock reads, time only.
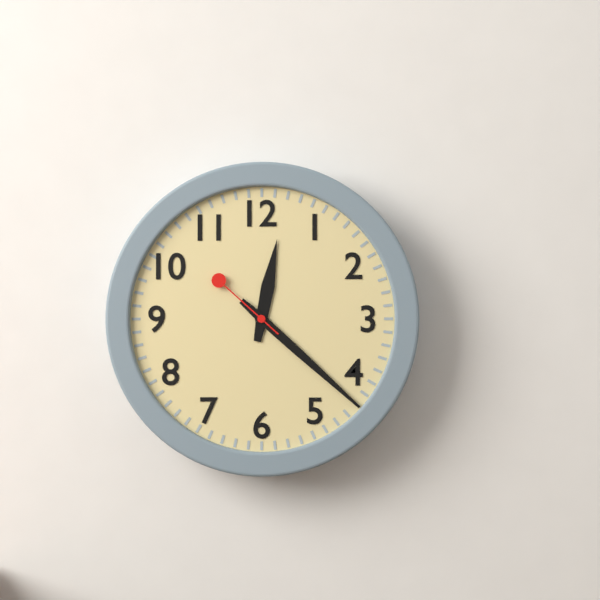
12:22:52
